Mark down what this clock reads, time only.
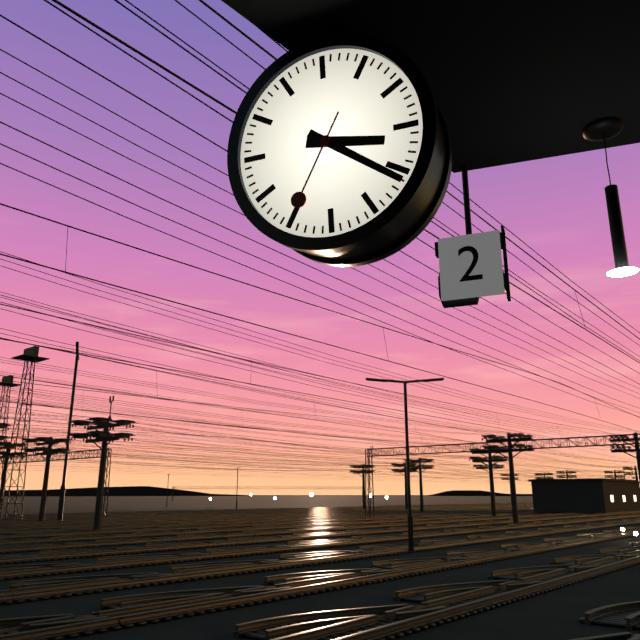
3:21:35
